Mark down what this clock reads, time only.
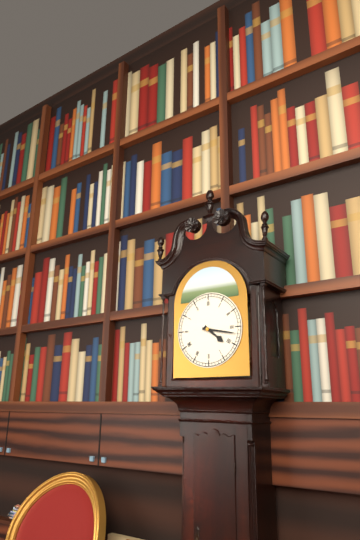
4:17
